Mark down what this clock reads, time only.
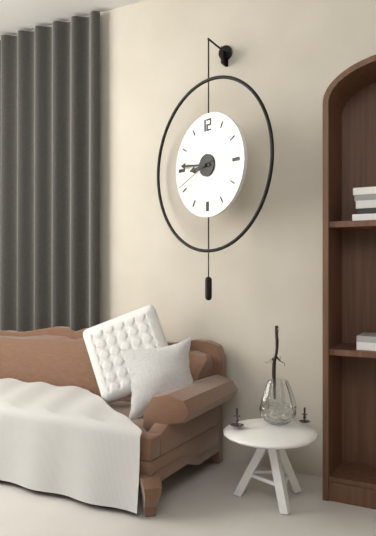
8:46
